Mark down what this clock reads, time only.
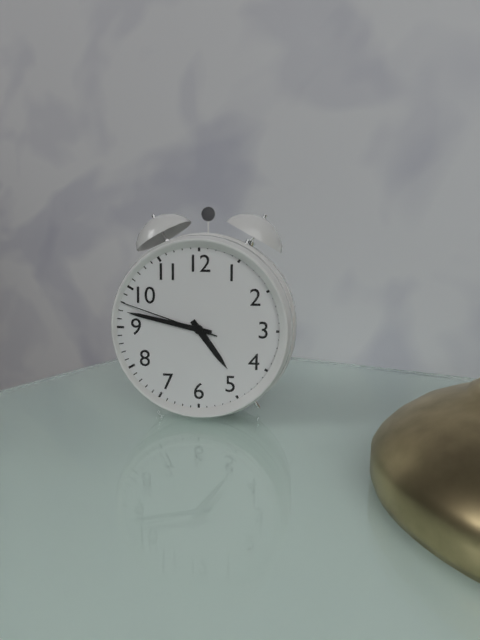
4:47:48
